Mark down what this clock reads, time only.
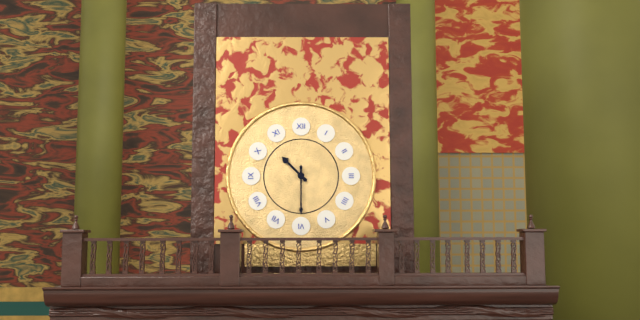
10:30
